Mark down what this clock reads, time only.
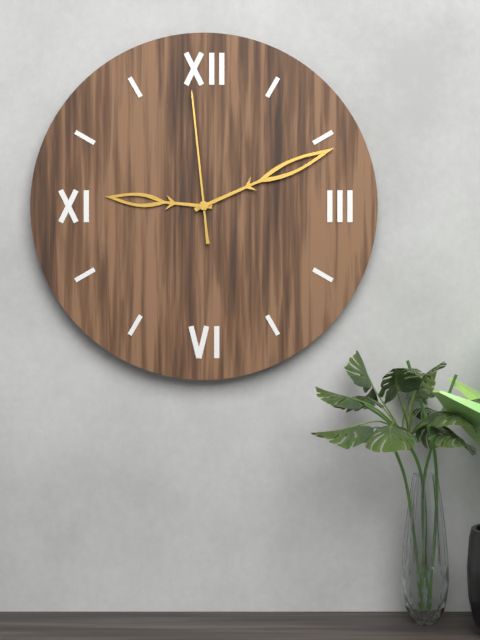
9:11:59
